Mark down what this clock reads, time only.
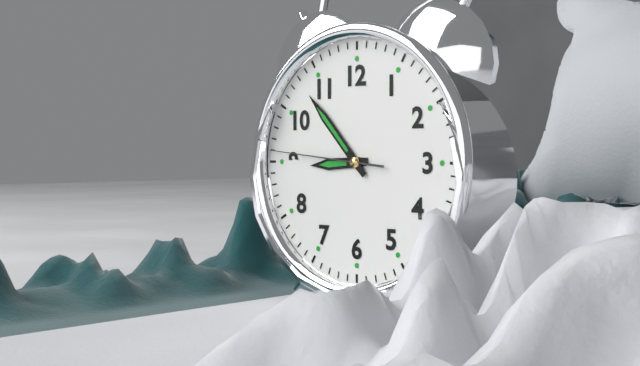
8:53:46
